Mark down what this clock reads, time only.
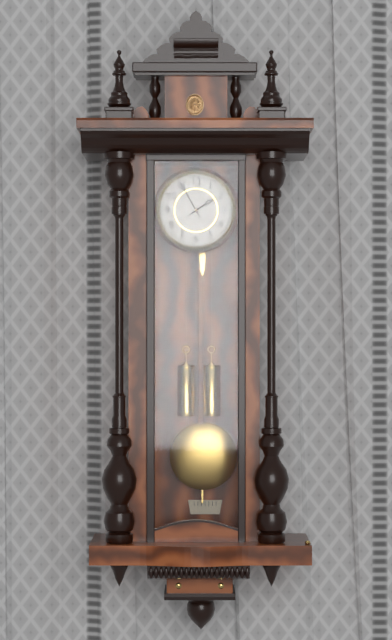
1:55
